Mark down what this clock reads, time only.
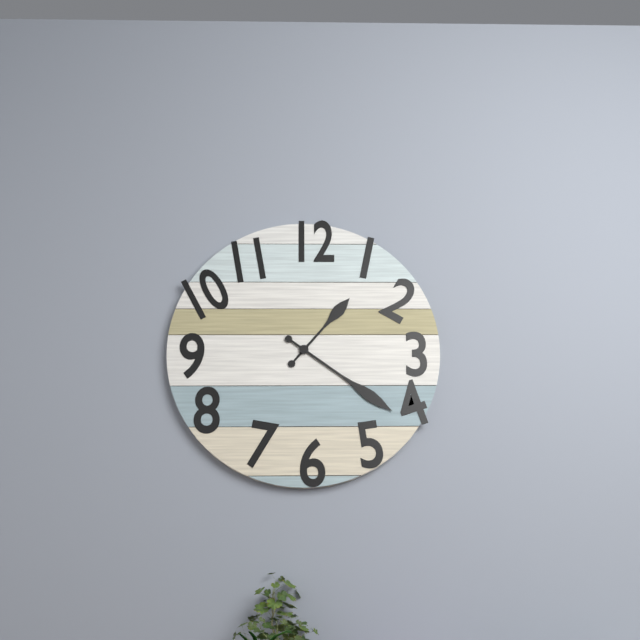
1:21
